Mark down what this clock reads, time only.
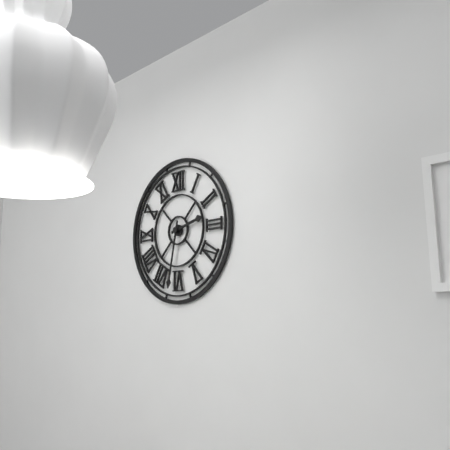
2:32
